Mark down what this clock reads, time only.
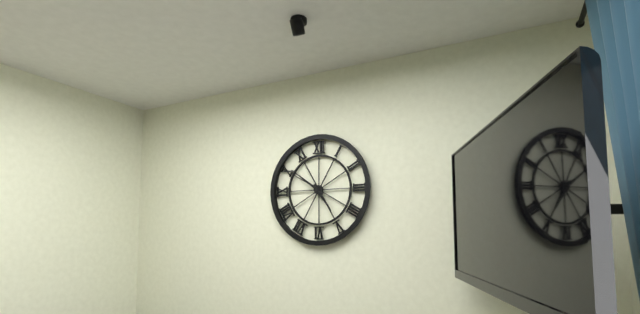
4:51
